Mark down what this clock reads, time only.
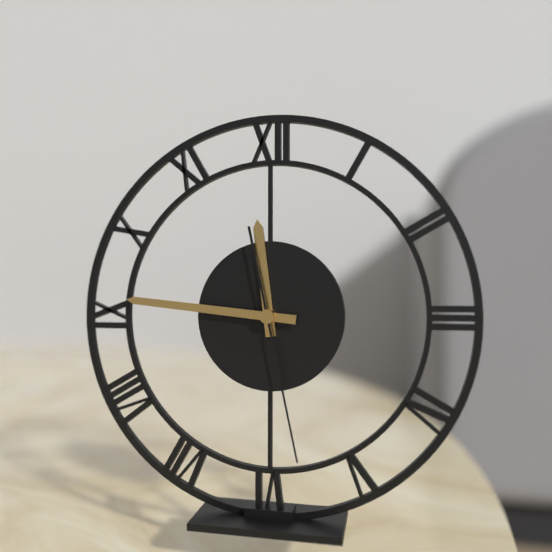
11:46:28
